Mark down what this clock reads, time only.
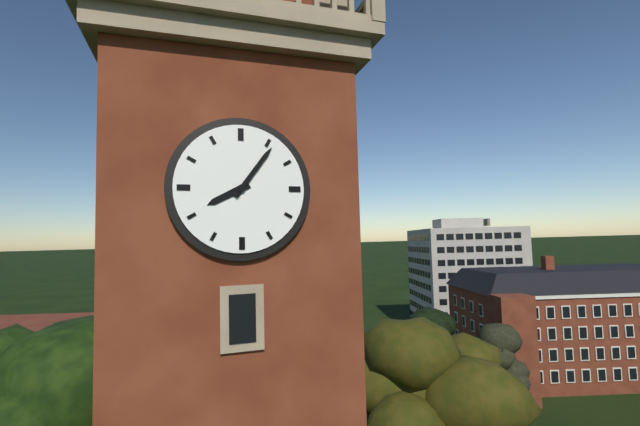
8:06
